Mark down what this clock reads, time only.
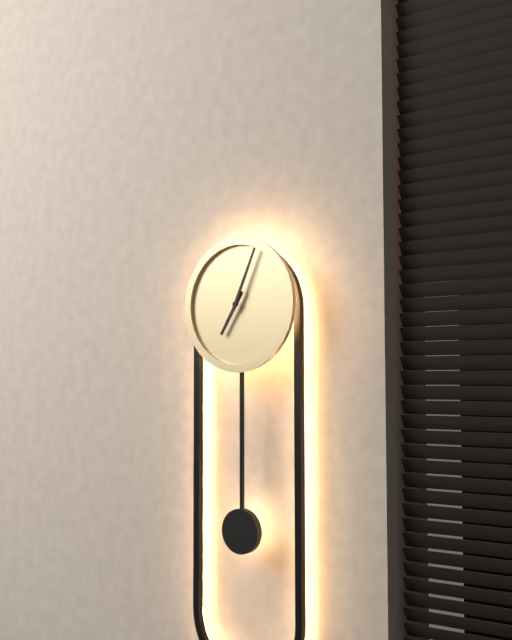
7:04
